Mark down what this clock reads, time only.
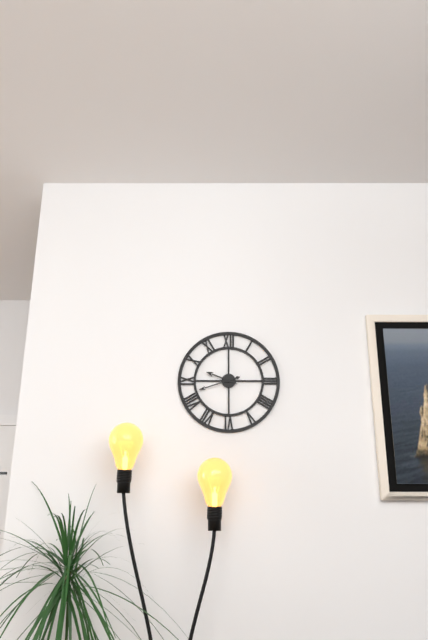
9:42
